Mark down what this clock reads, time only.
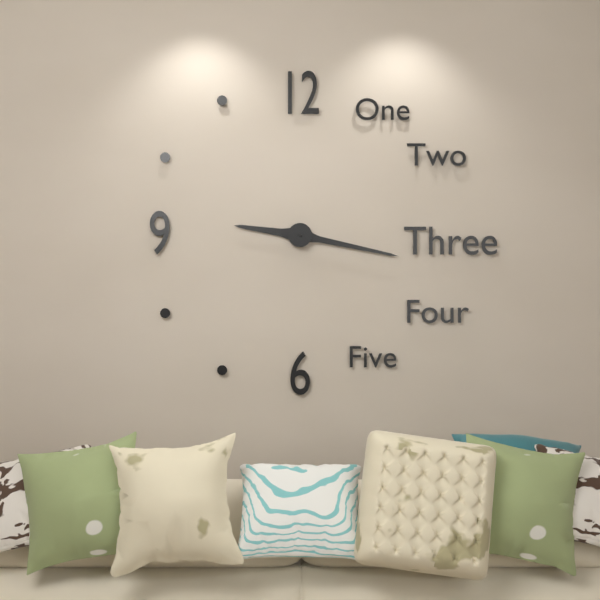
9:17
